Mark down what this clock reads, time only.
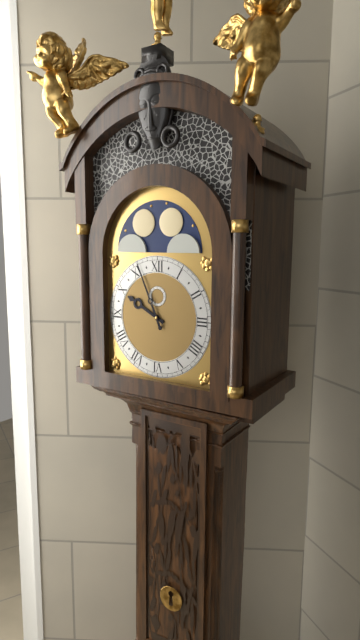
9:56
